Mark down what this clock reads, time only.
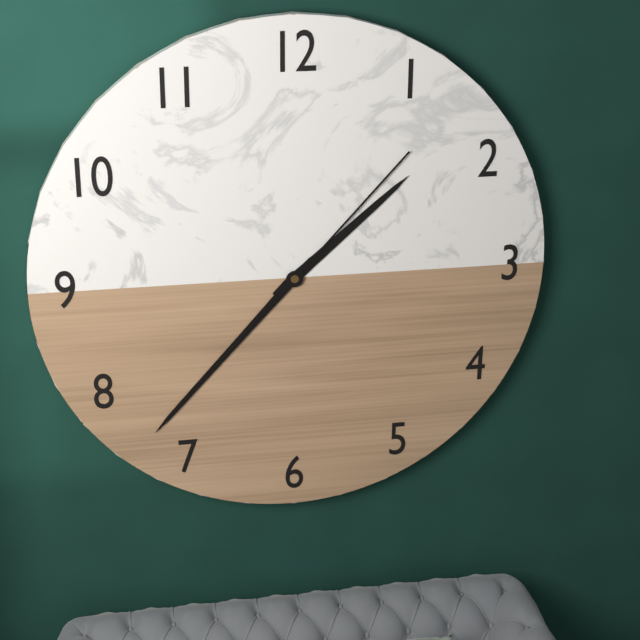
1:37
